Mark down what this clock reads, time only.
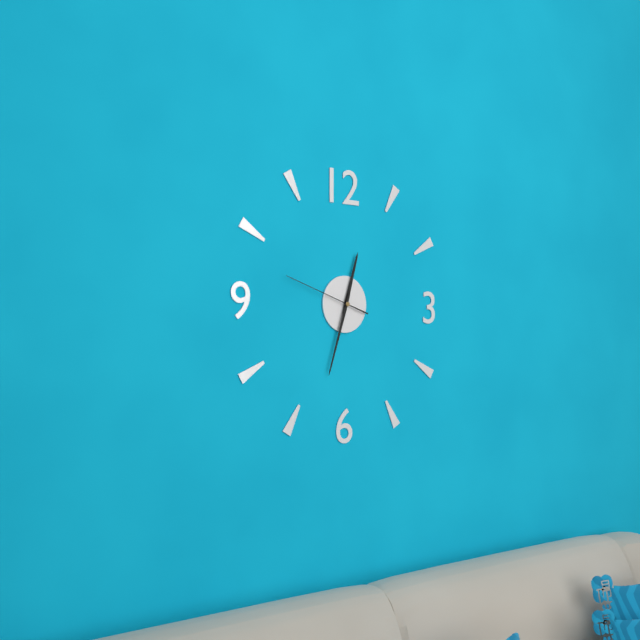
12:33:48
